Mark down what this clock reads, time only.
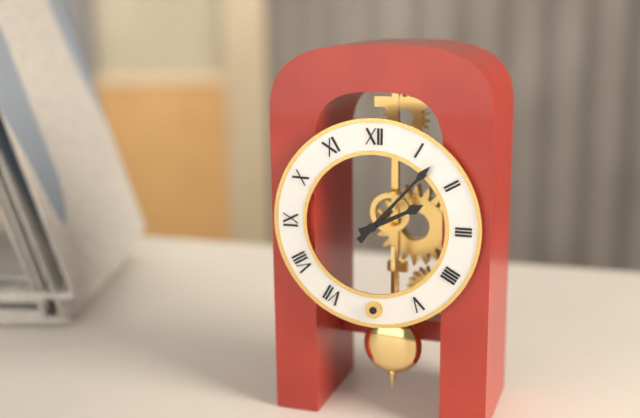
2:07
